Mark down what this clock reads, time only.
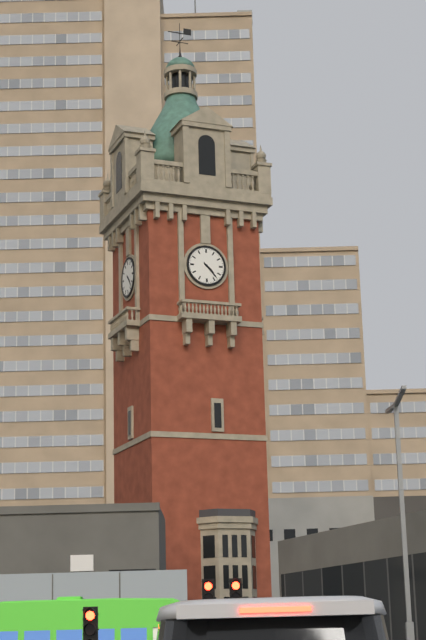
4:23
